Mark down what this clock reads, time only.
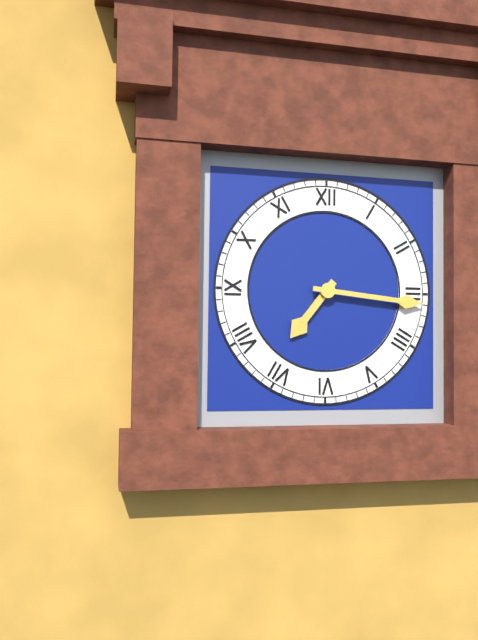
7:16
